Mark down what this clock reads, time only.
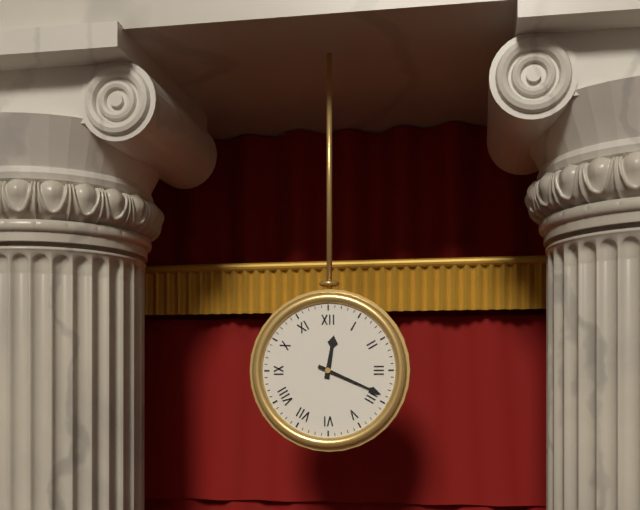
12:19
